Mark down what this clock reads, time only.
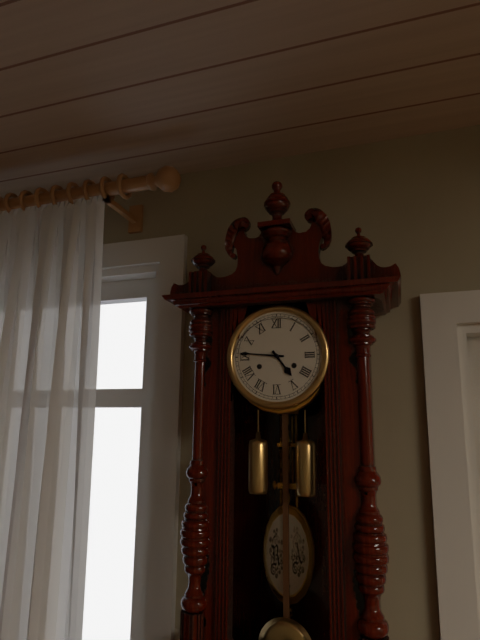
4:46
